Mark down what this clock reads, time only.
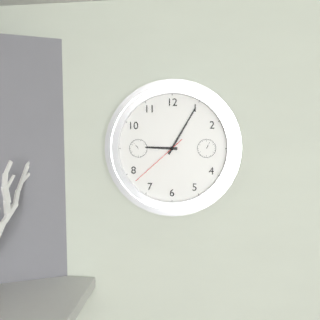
9:05:38
